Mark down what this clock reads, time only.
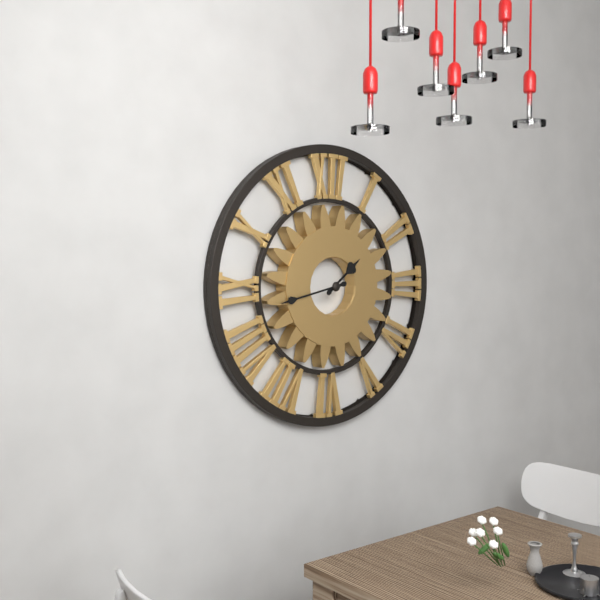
1:43
